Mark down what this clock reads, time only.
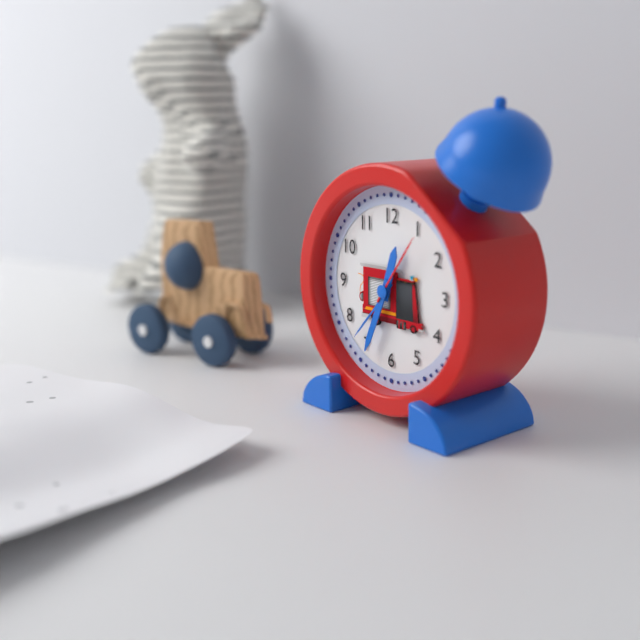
12:34:06
